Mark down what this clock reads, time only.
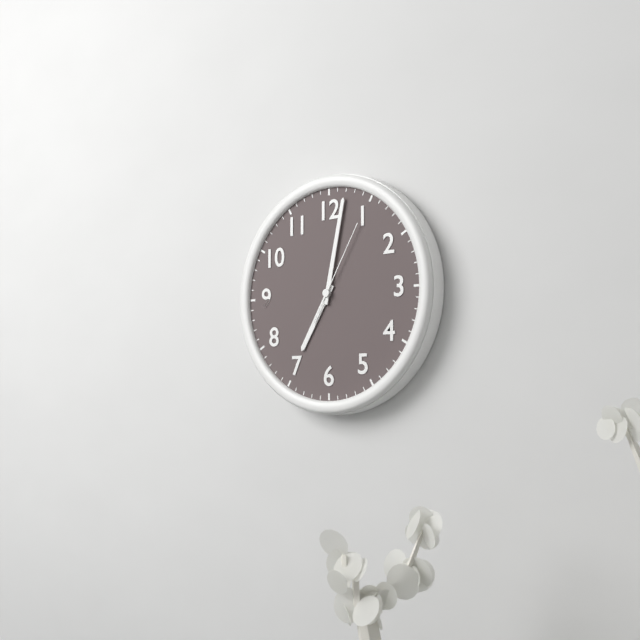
7:02:05
